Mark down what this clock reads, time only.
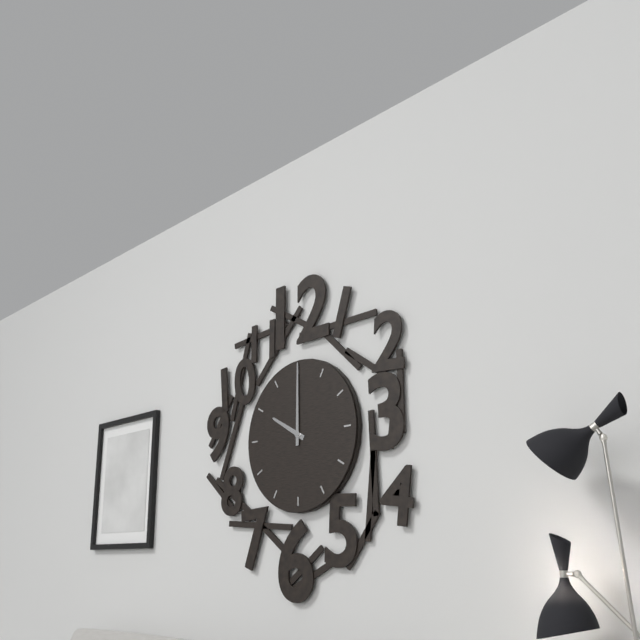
10:00
